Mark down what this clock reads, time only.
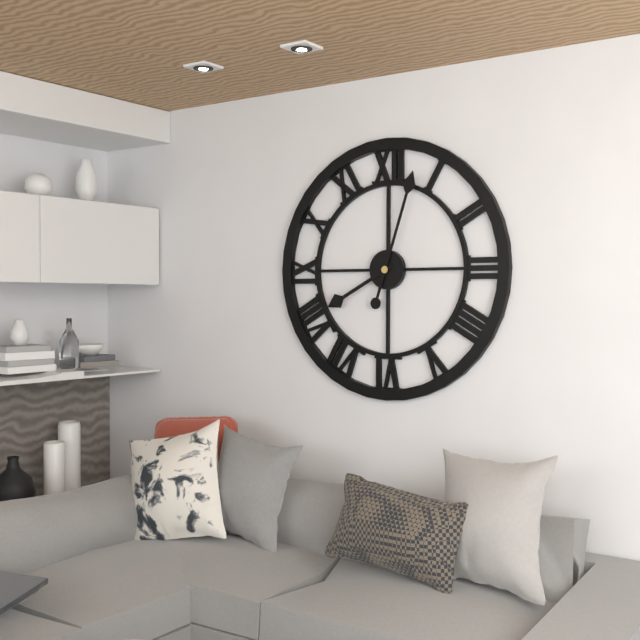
8:03
